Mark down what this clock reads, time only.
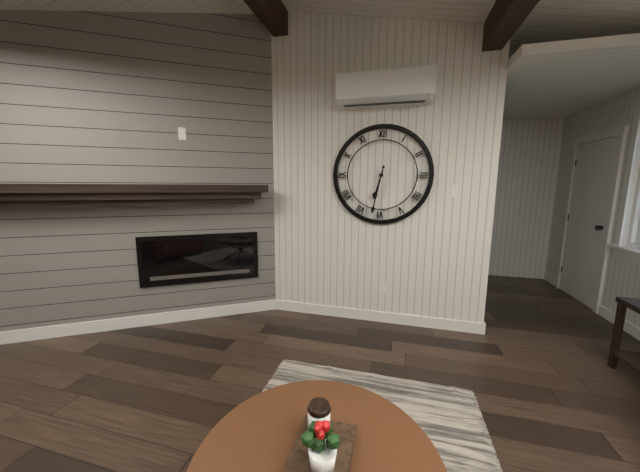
6:32
